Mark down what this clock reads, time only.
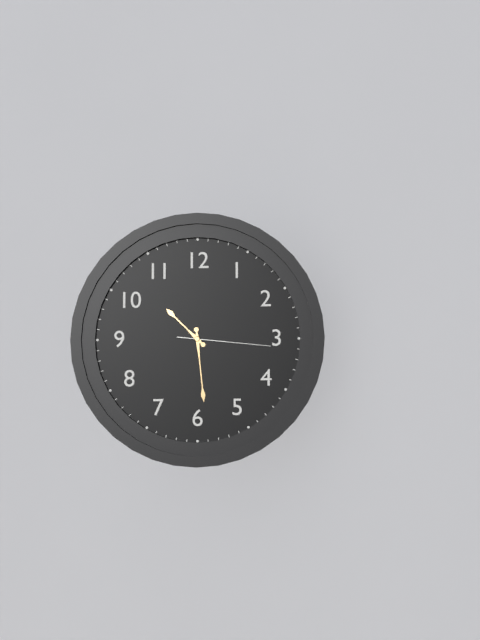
10:29:16
